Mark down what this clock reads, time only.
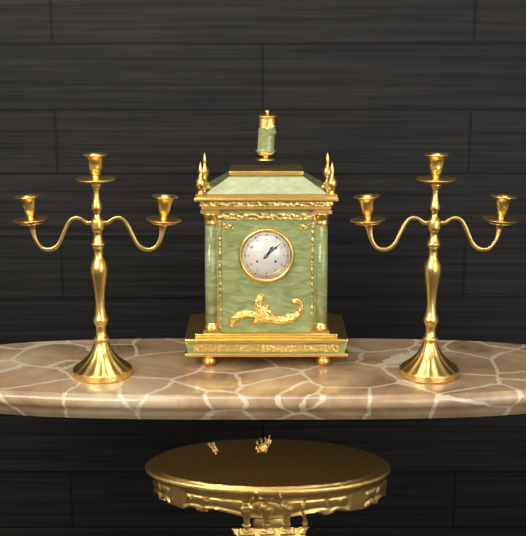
1:08
